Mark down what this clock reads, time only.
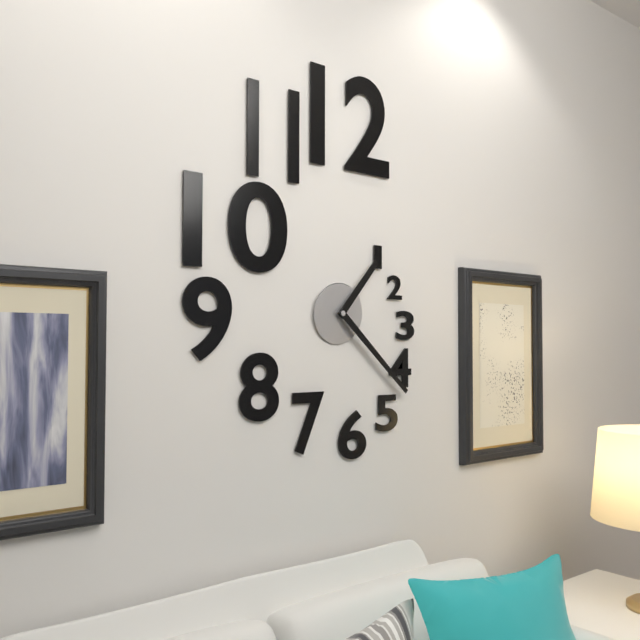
1:22
